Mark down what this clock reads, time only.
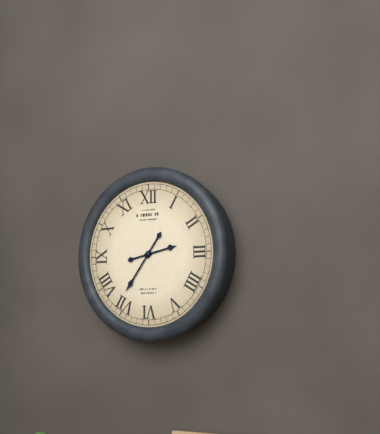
2:36
